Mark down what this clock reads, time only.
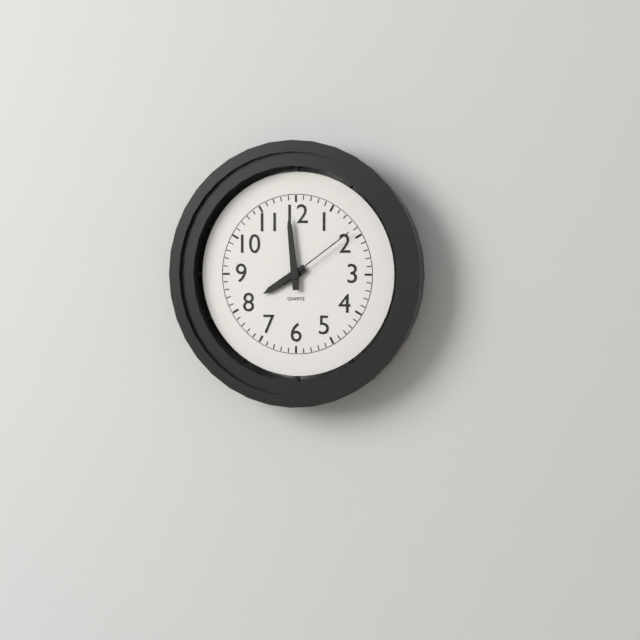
7:59:09
